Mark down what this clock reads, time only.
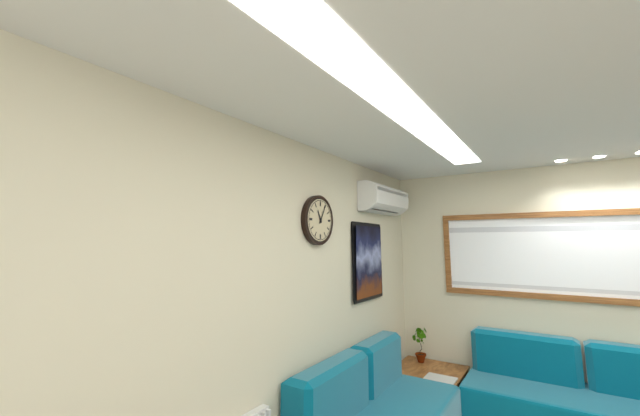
11:05
